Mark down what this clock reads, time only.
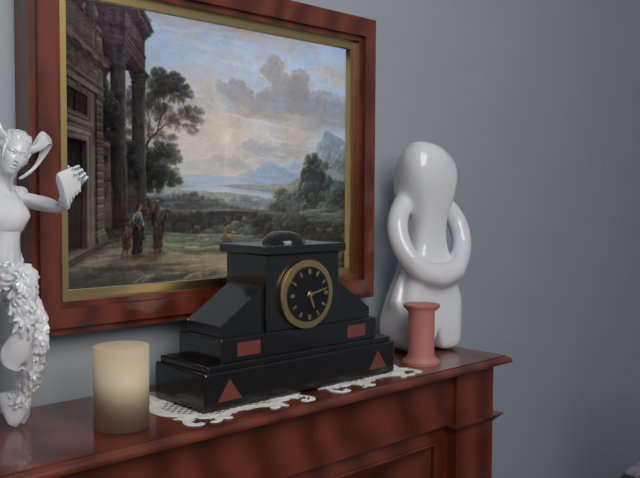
5:13
